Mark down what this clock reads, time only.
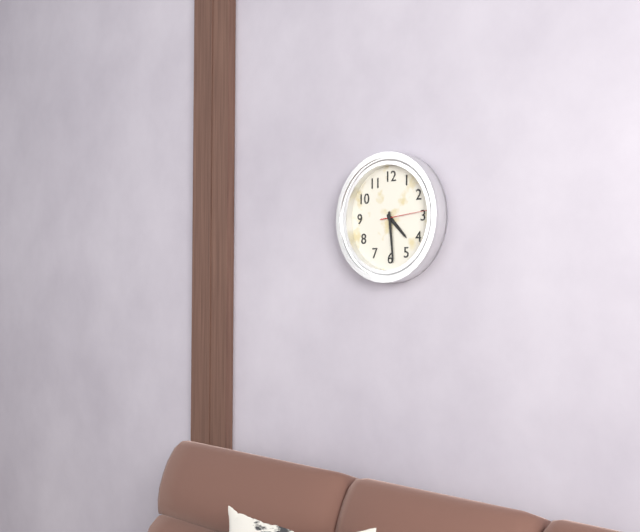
4:29:14
